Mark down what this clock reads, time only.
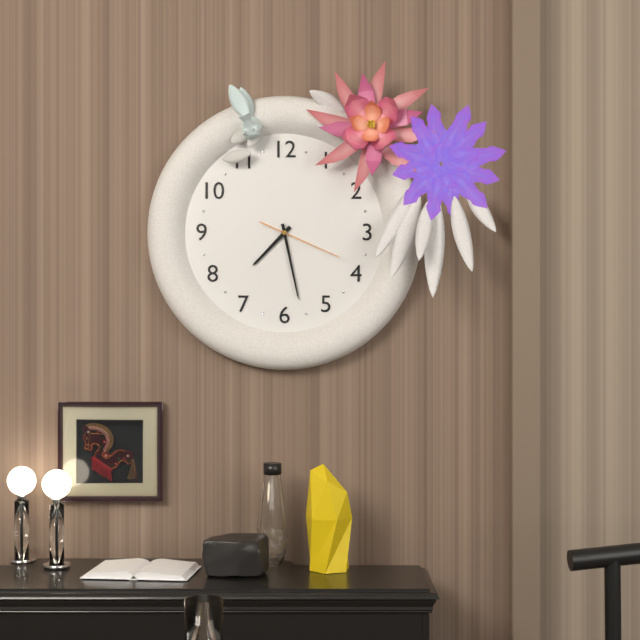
7:28:19
